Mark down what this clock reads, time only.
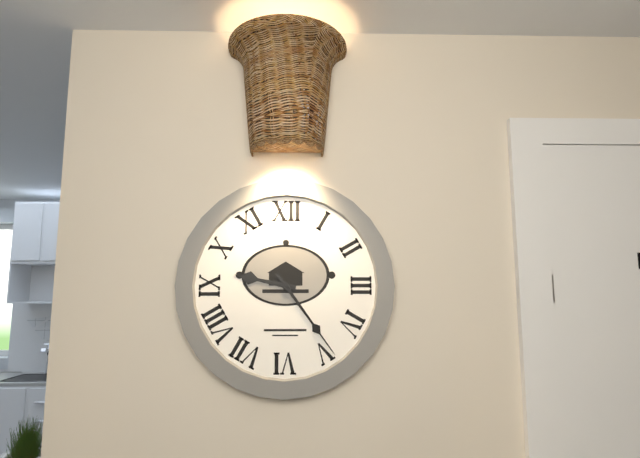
9:24
